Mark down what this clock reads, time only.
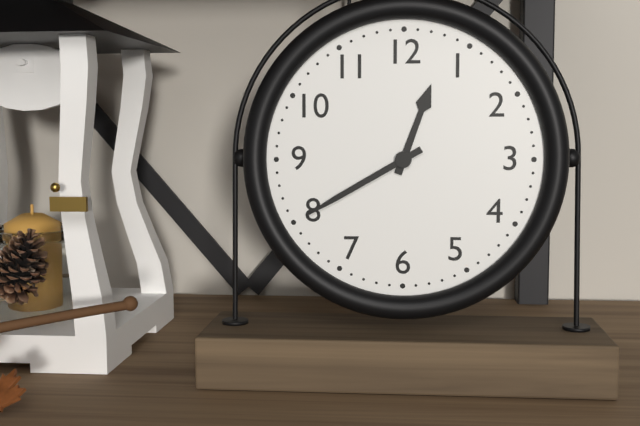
12:40
